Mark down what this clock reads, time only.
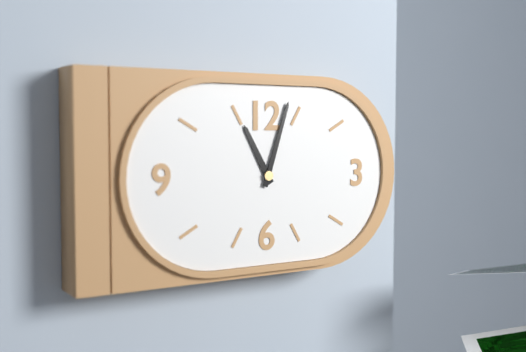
11:03
